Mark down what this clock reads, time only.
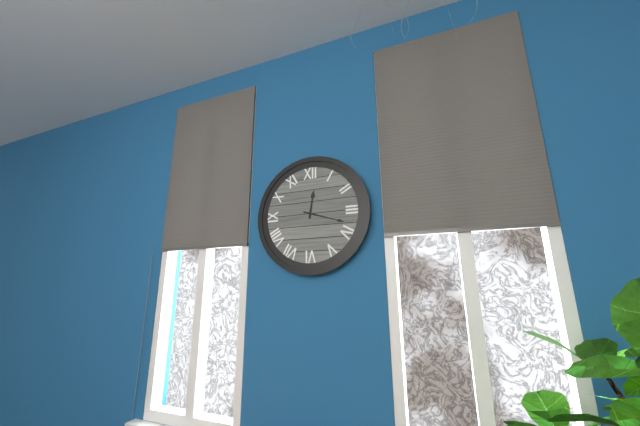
12:18
